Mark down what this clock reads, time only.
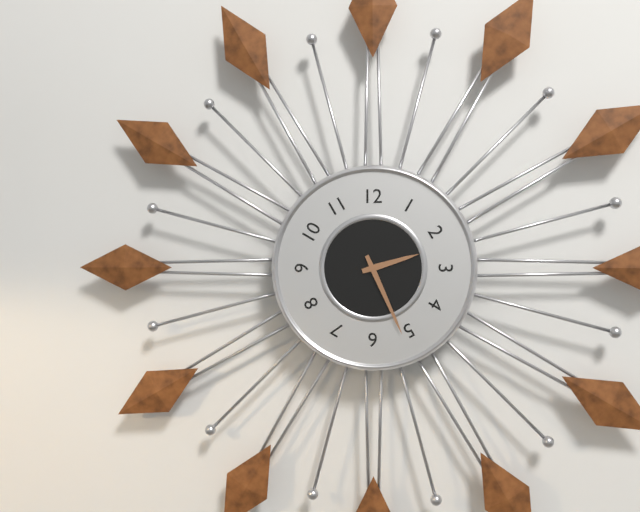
2:26
